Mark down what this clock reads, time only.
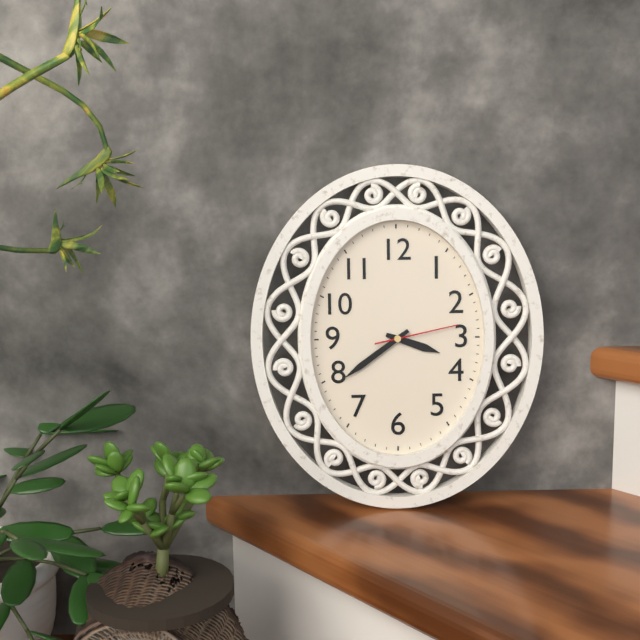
3:39:13
